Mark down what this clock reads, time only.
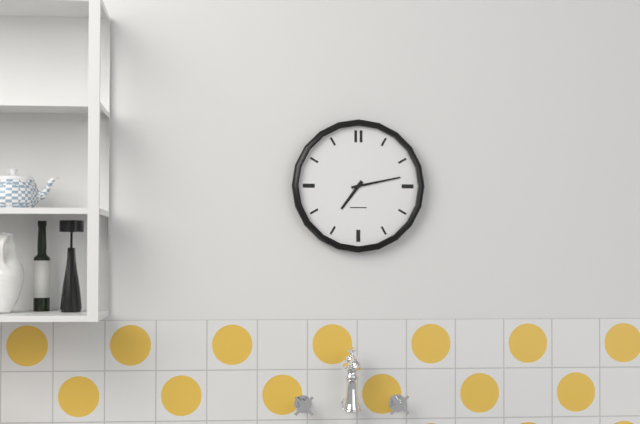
7:13
